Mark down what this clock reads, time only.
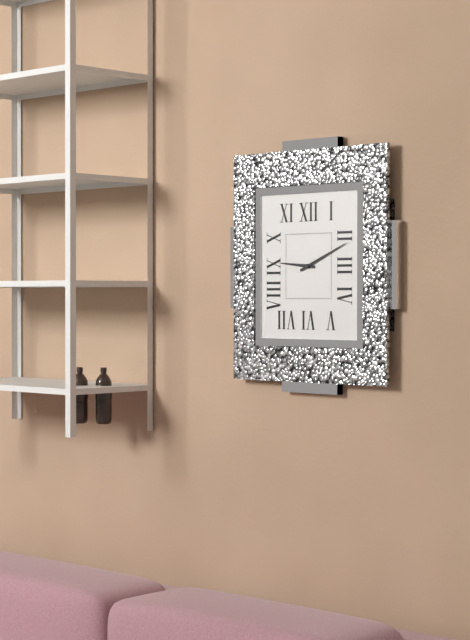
9:11
